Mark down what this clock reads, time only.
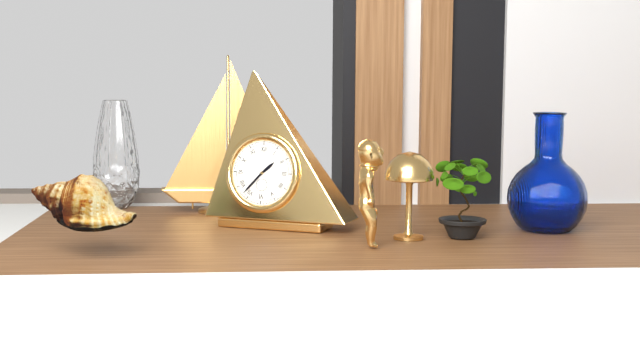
1:37
